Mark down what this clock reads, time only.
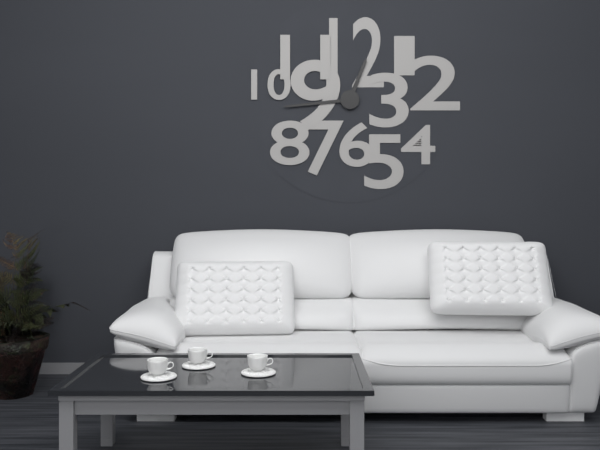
12:44
